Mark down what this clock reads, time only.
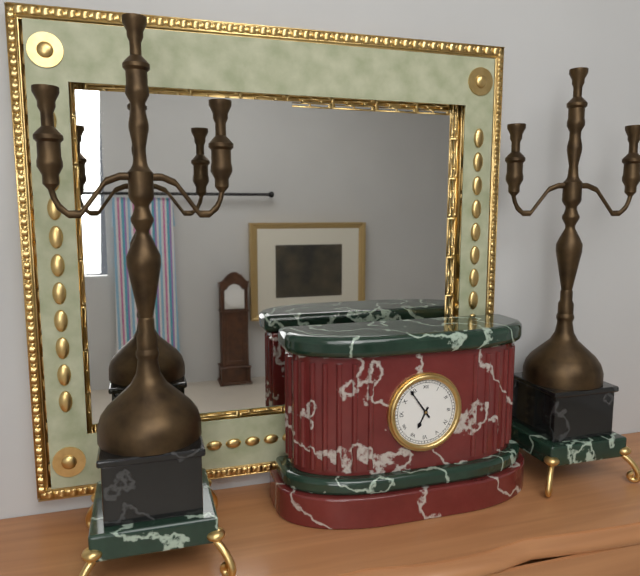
6:54
